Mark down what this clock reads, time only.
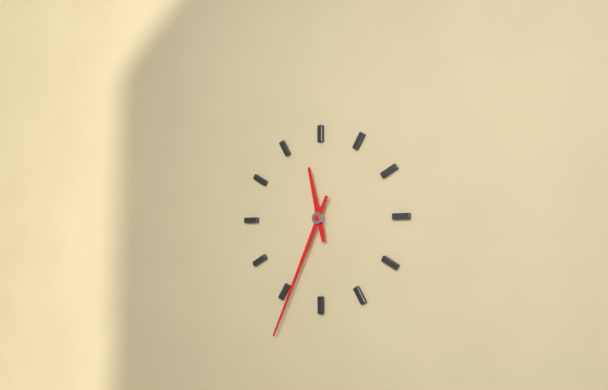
11:34
